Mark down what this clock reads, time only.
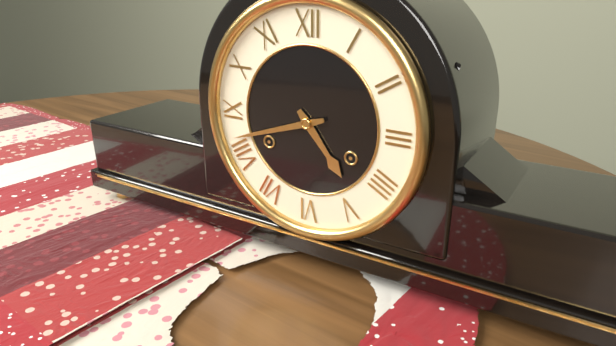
4:42
